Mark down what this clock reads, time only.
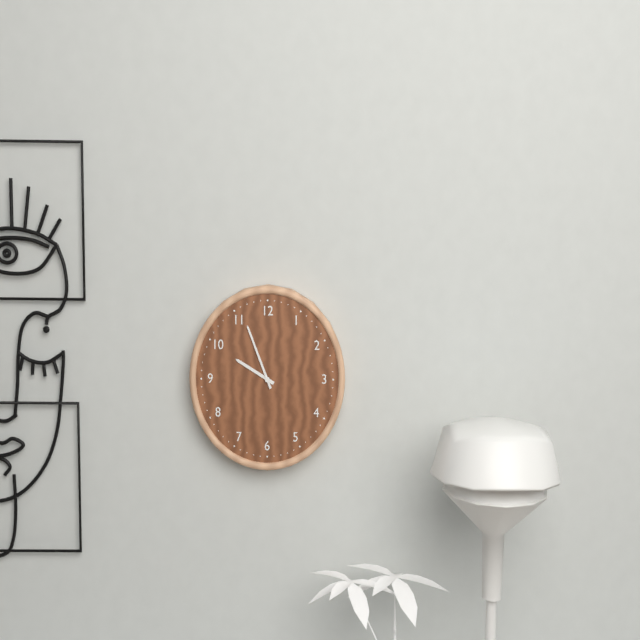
9:56
